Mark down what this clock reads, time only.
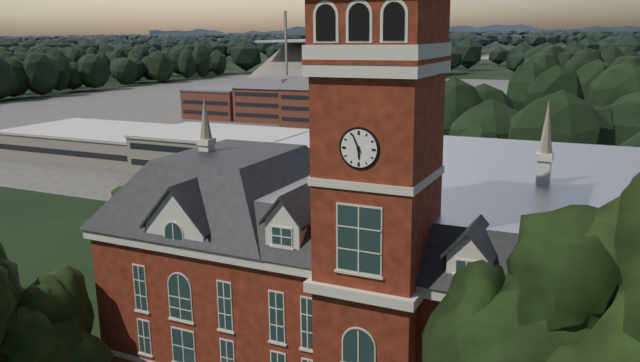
5:56
